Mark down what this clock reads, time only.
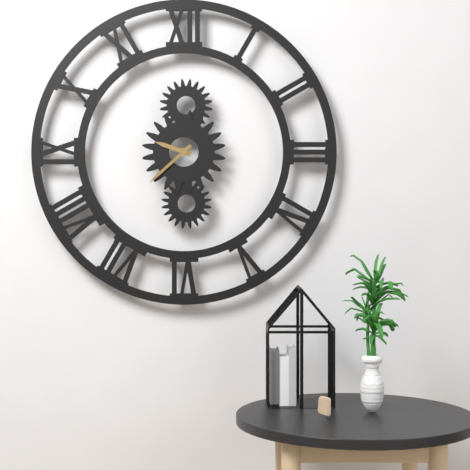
9:38
